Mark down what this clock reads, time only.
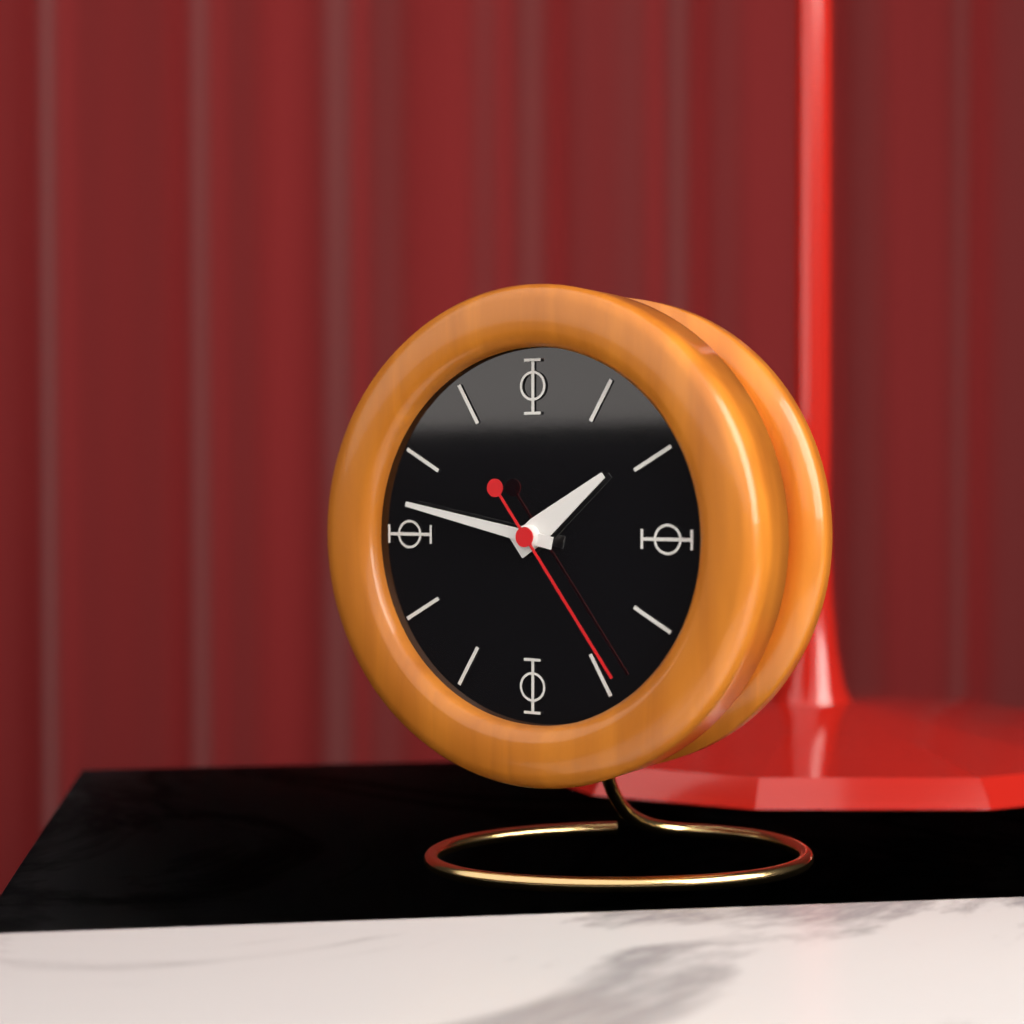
1:47:24
